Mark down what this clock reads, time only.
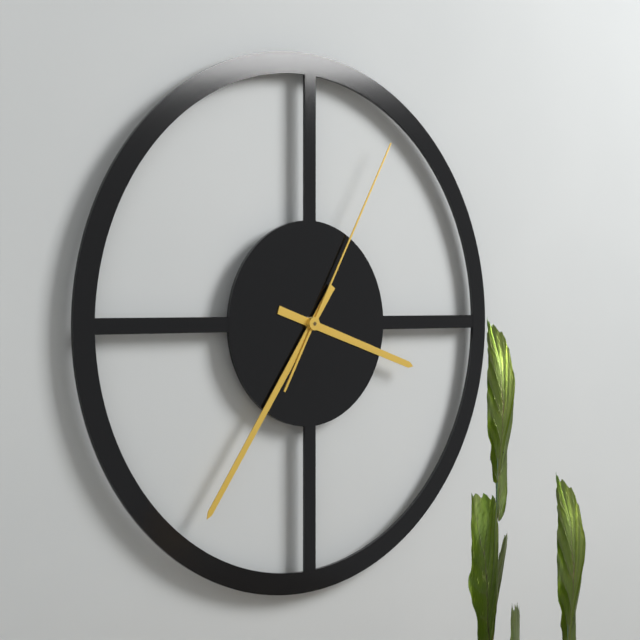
3:36:05
